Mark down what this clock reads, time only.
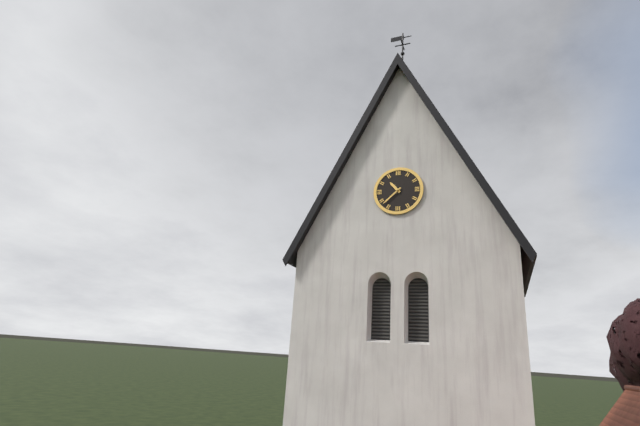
10:38
